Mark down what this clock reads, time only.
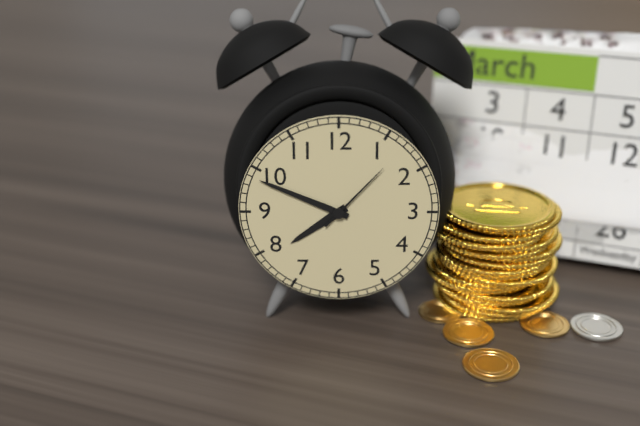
7:49:07
